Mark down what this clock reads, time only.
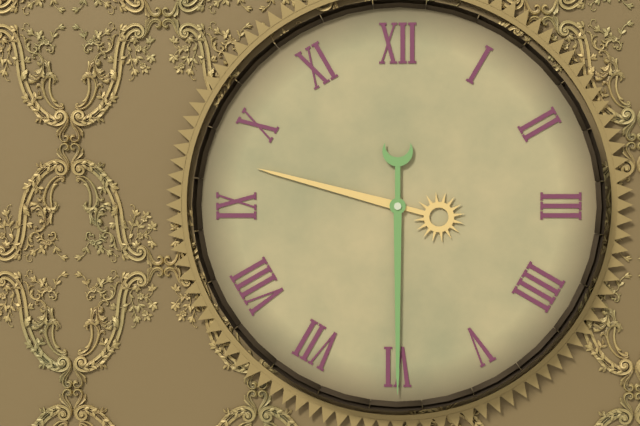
9:30
